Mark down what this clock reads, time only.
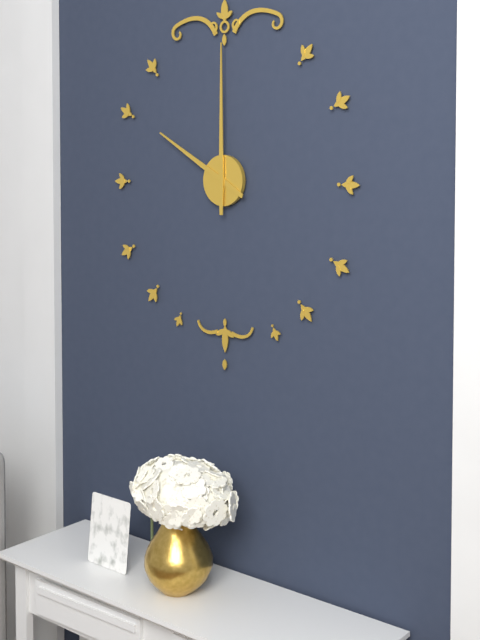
10:00
